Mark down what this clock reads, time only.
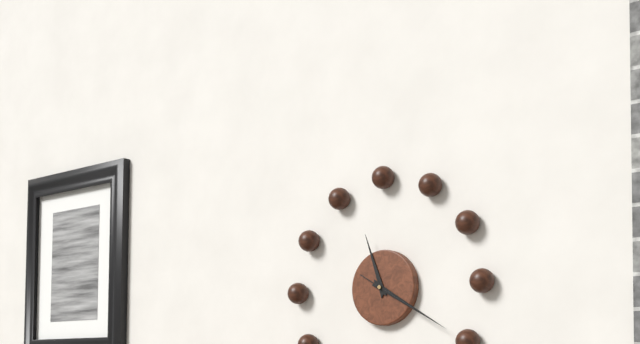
11:20:20
